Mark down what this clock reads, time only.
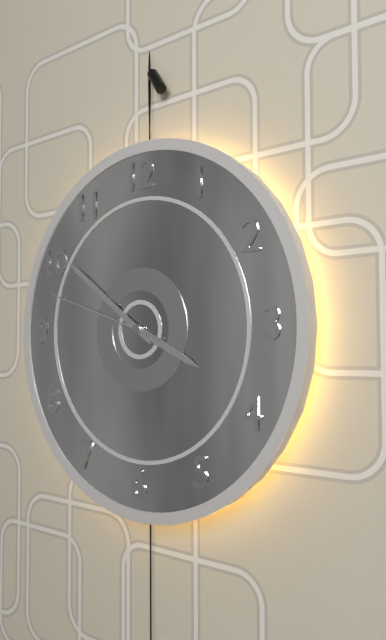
3:51:48
